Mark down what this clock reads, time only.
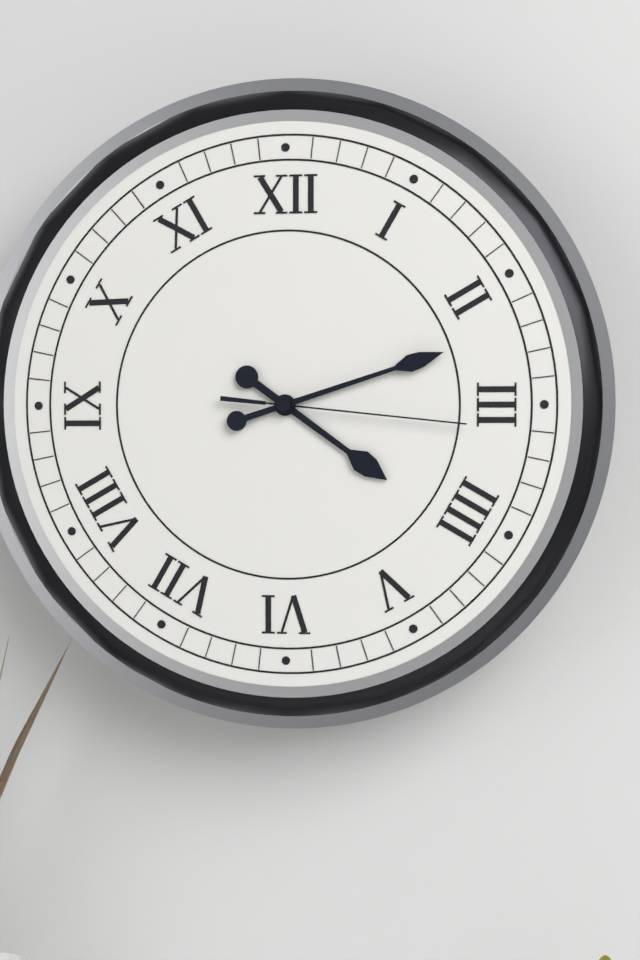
4:12:16
